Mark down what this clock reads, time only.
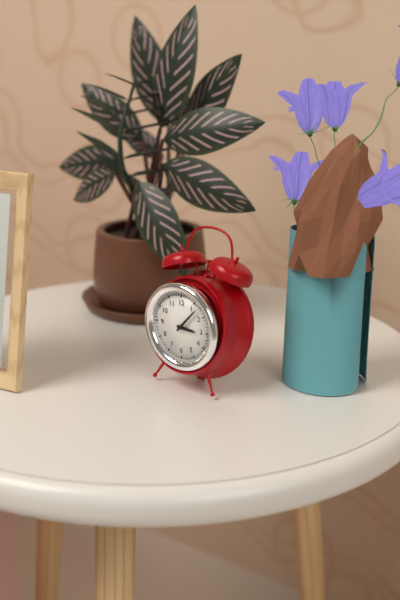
3:07
